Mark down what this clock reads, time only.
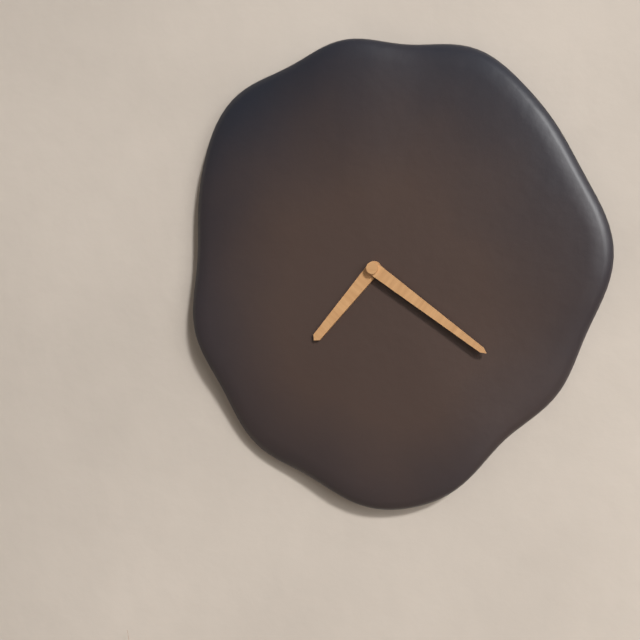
7:21
